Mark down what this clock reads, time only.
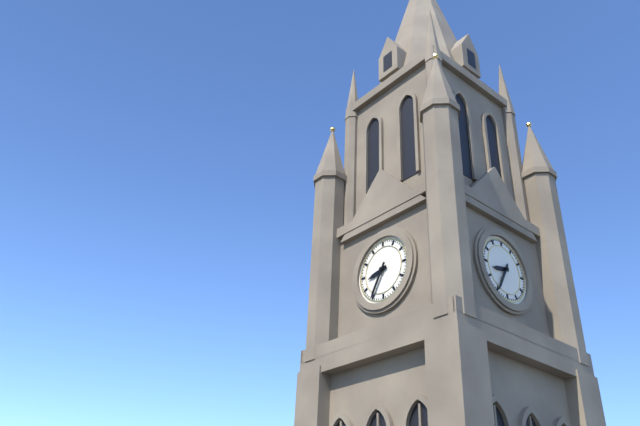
8:35
